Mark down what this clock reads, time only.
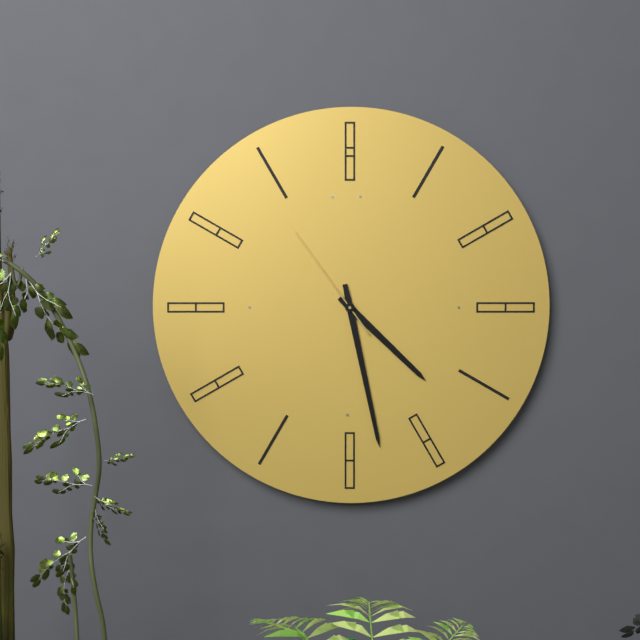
4:28:54
